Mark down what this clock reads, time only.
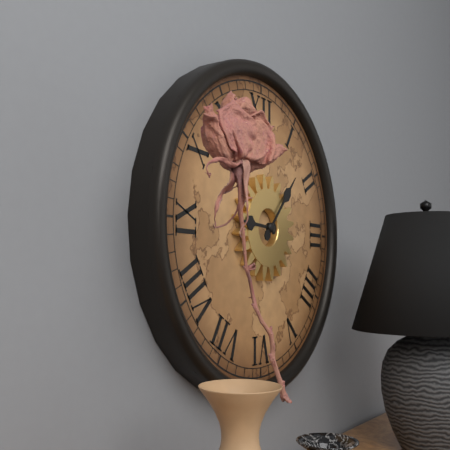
9:07
